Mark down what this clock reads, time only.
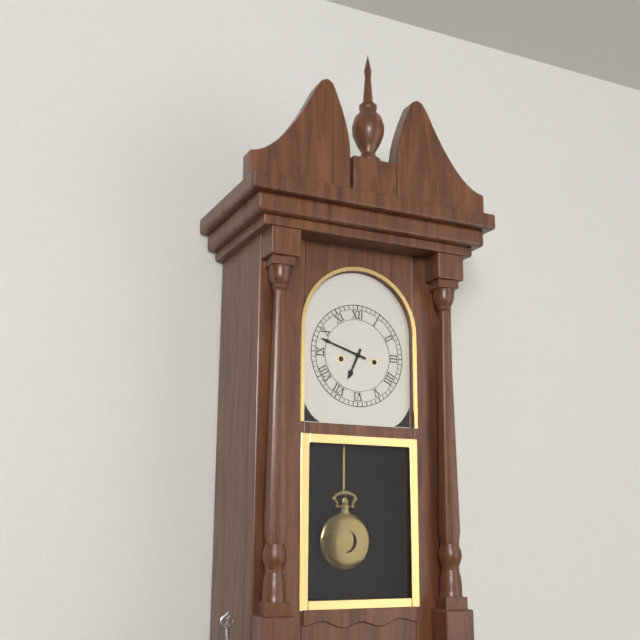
6:48
